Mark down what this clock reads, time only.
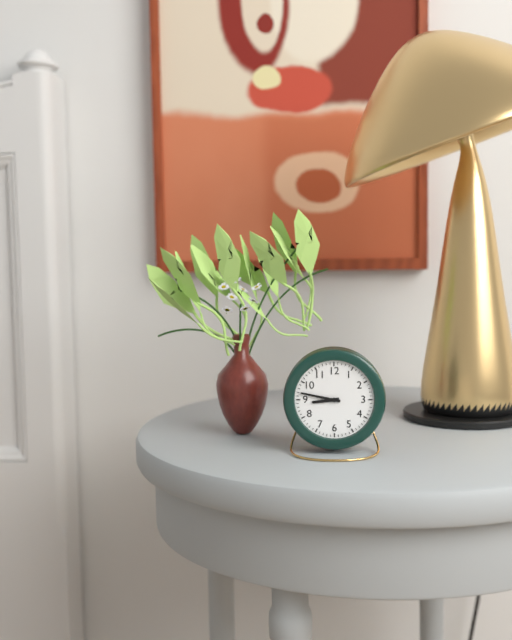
8:47
